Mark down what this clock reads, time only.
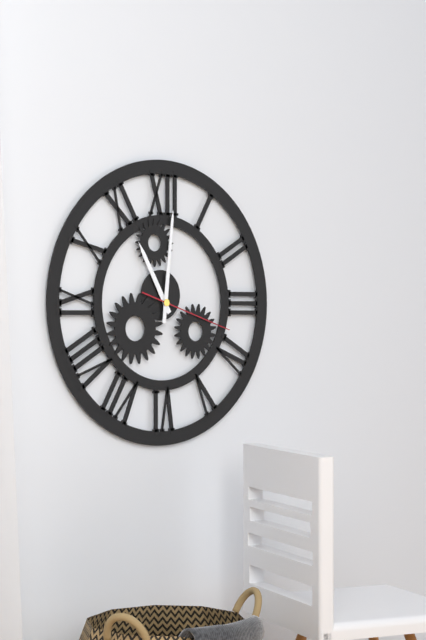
11:01:18
